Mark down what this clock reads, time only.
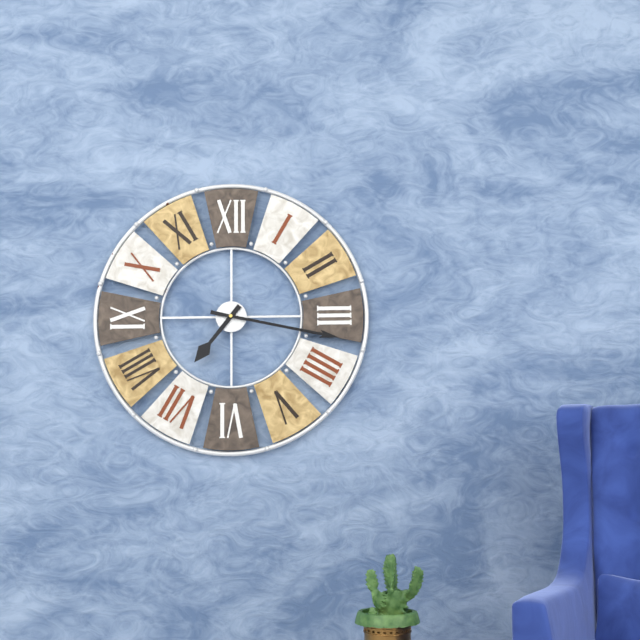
7:17
